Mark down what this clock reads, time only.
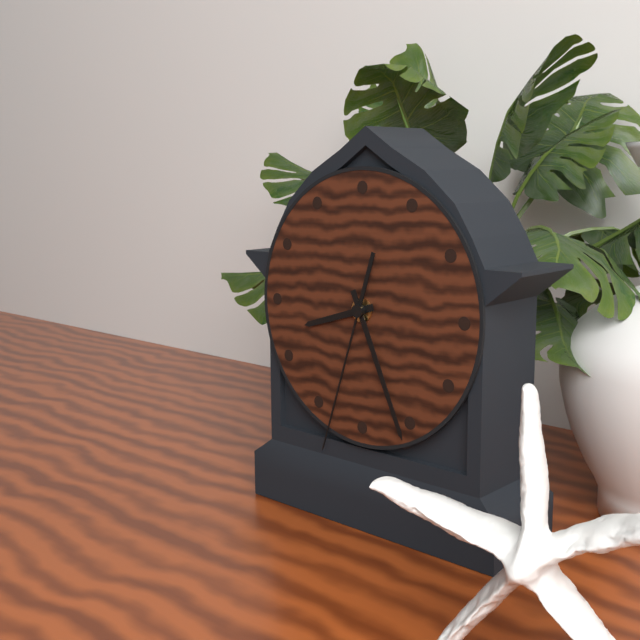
8:26:33
